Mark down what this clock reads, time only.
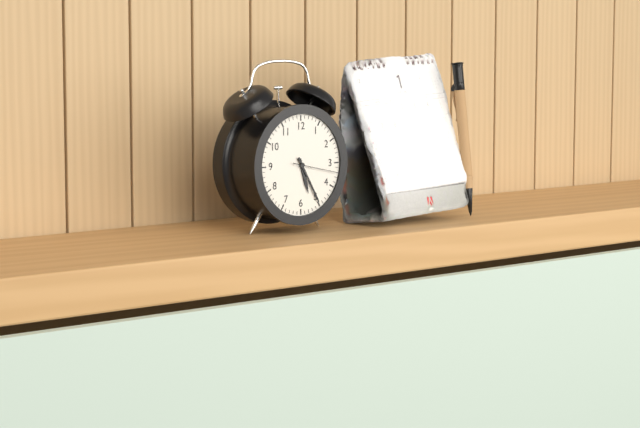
5:25
